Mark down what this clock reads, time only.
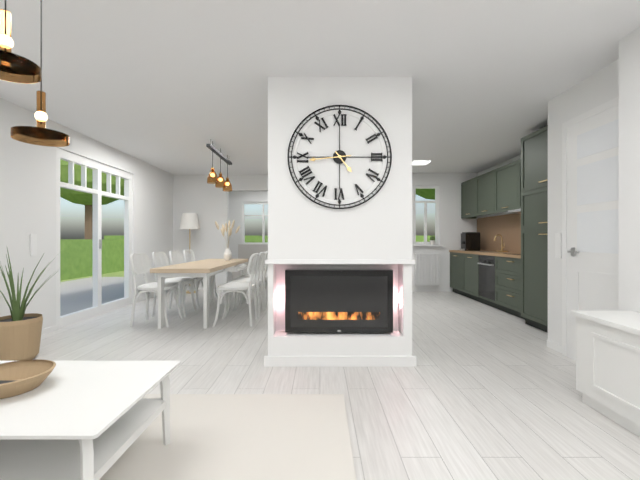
4:44
